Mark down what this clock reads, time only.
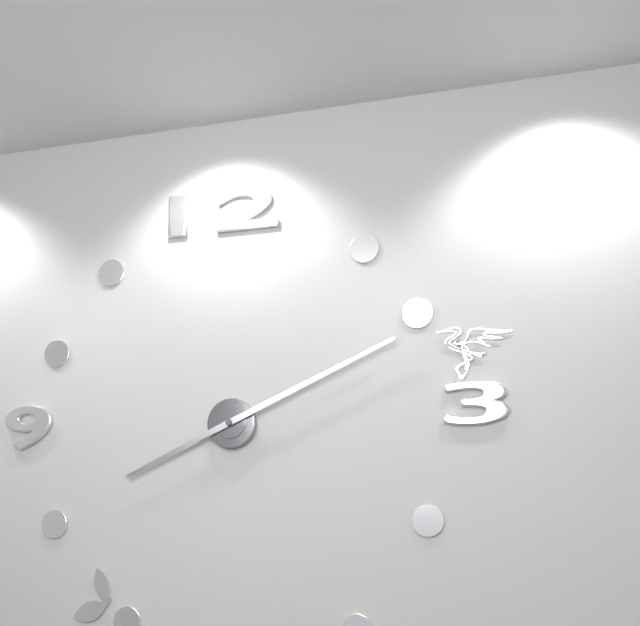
8:11
